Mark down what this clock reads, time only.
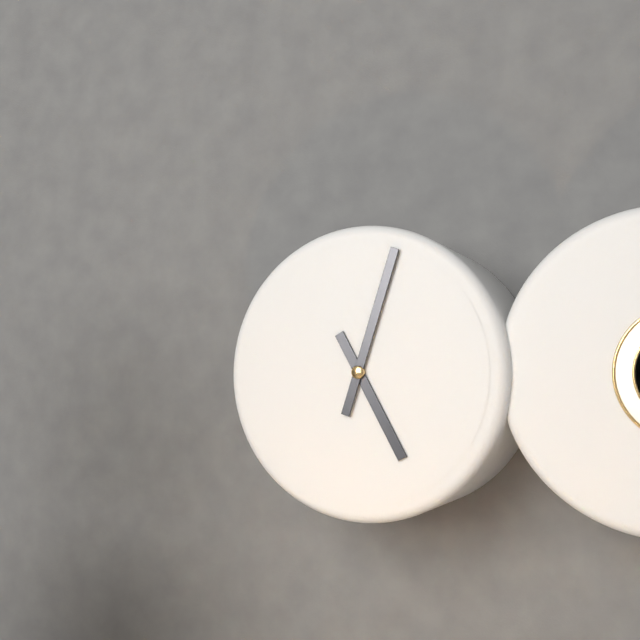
5:03
